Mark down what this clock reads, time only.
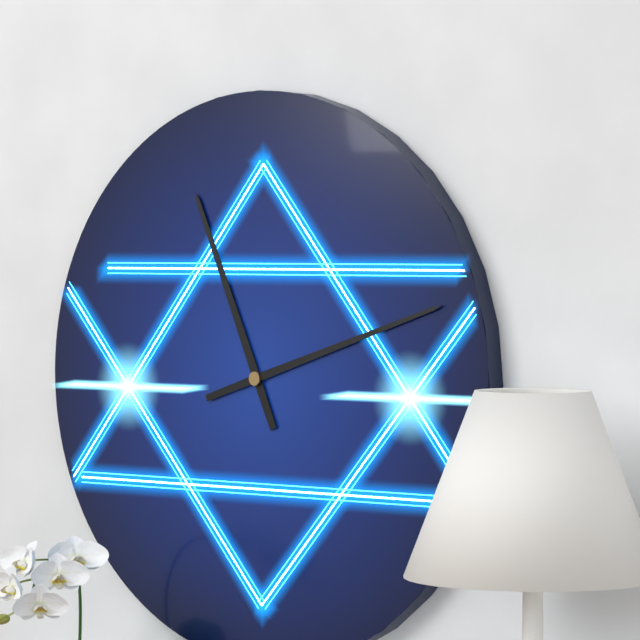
11:12
